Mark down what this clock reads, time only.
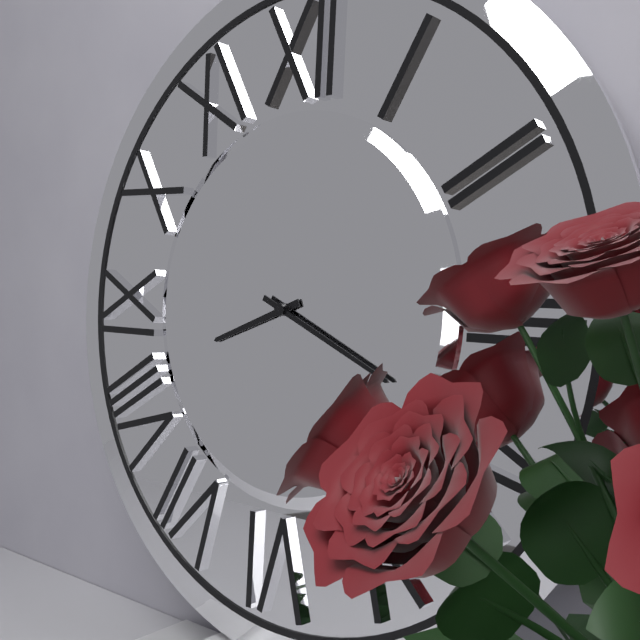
8:19
